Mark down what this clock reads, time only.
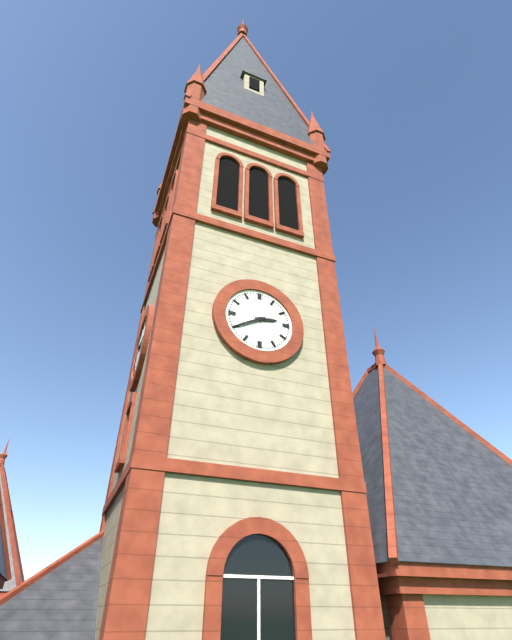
2:40
